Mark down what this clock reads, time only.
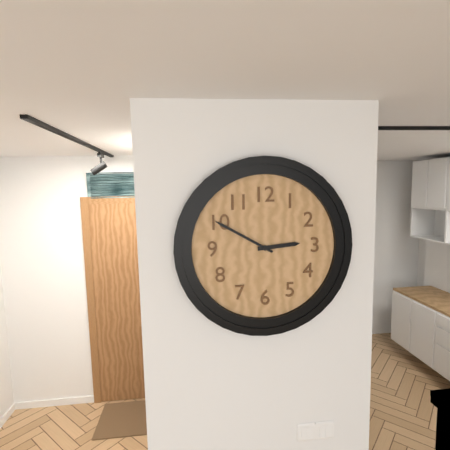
2:50
